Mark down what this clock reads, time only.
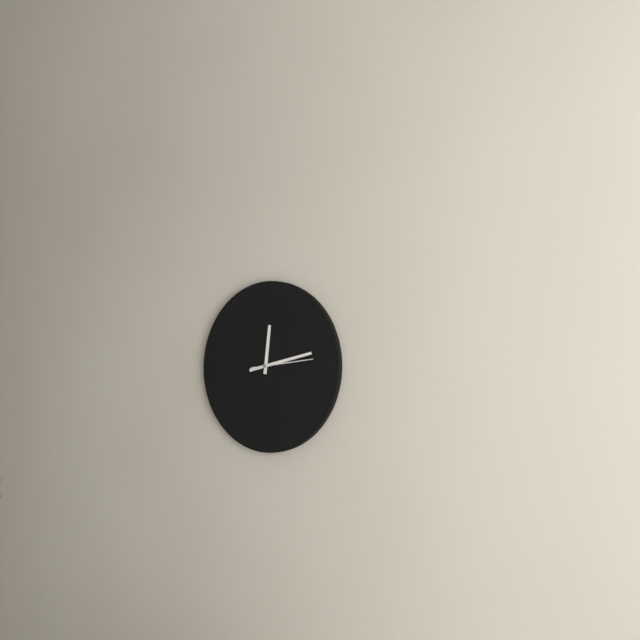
12:13:14
